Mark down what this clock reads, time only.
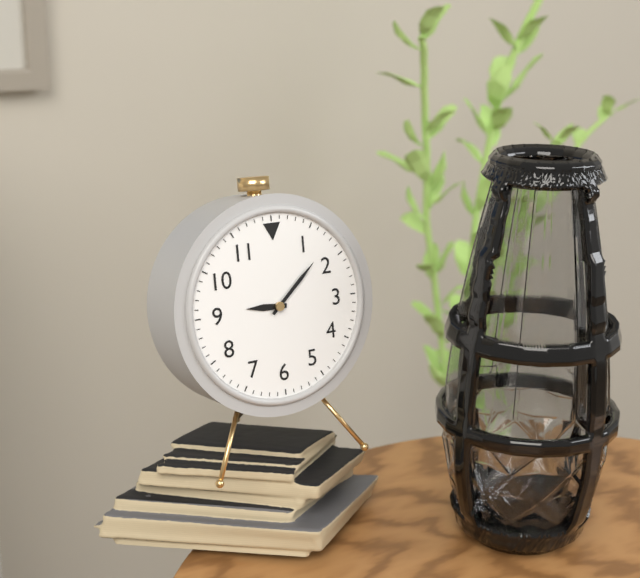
9:08
